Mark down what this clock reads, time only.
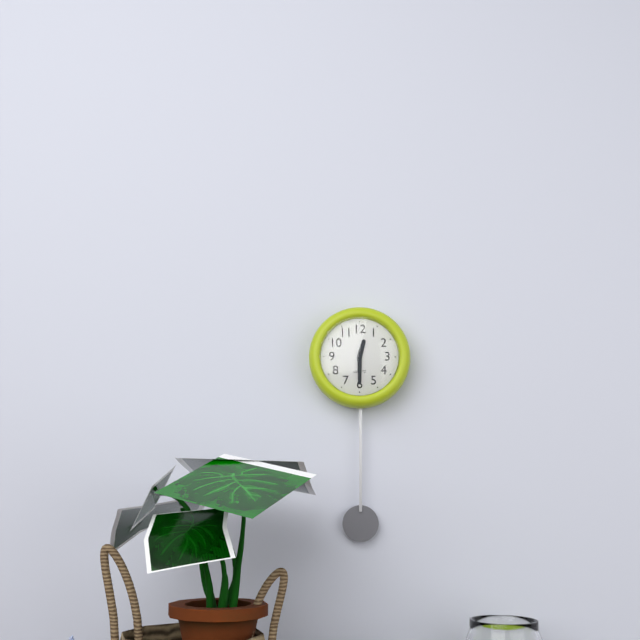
12:30
